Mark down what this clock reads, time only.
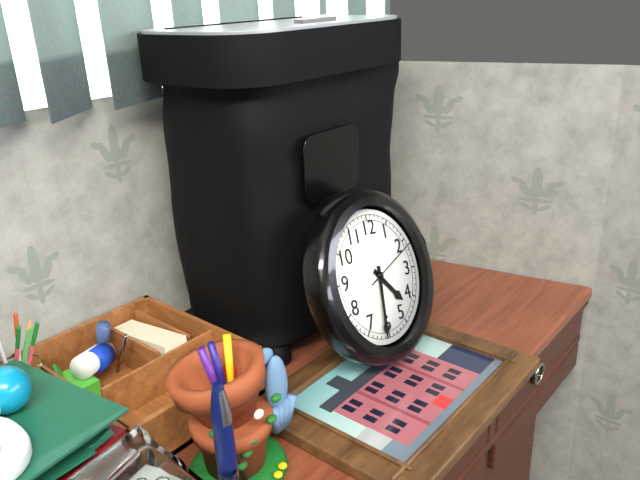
4:31:11
